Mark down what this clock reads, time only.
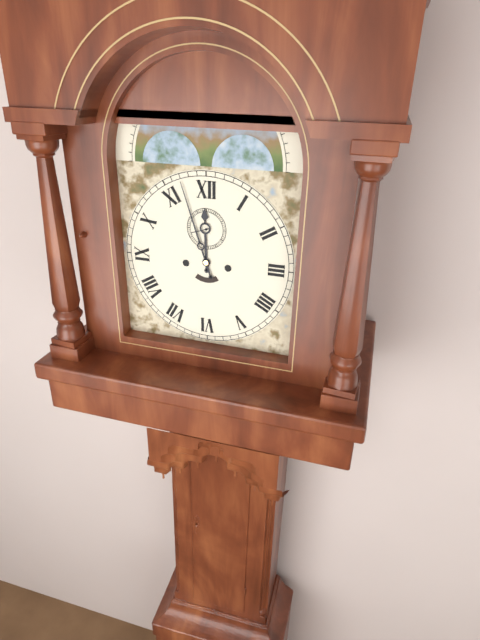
11:57
